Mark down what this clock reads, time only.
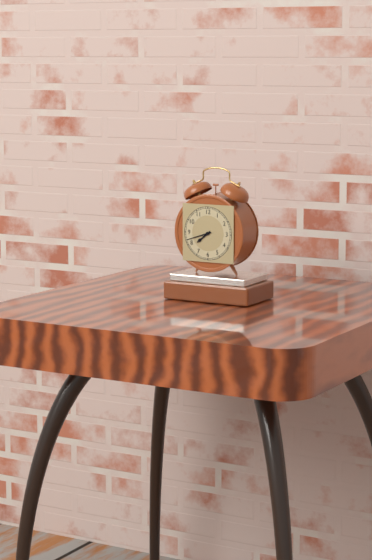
7:42
